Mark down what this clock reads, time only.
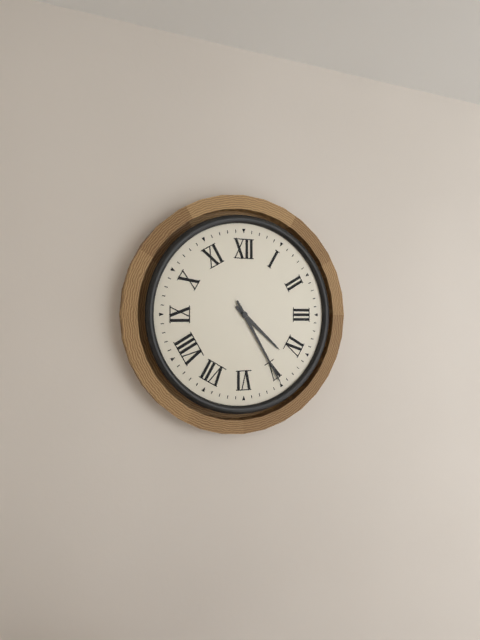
4:25
